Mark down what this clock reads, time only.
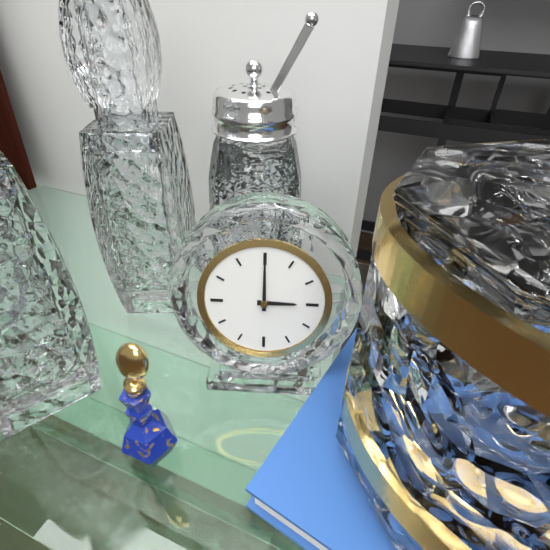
3:00
